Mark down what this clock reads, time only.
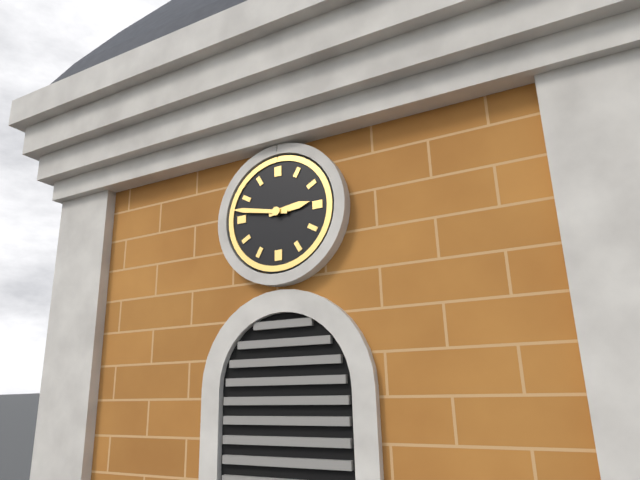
2:47
